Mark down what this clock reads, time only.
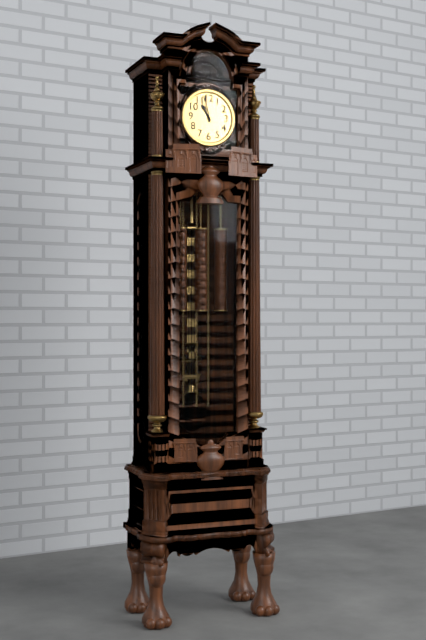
10:58
